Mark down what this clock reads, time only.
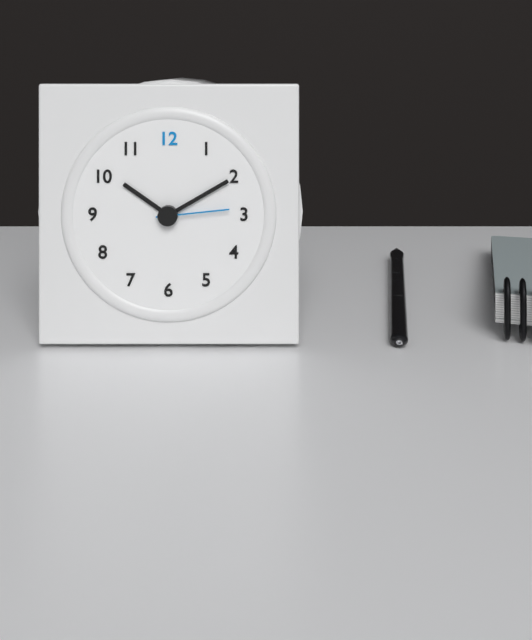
10:10:14
